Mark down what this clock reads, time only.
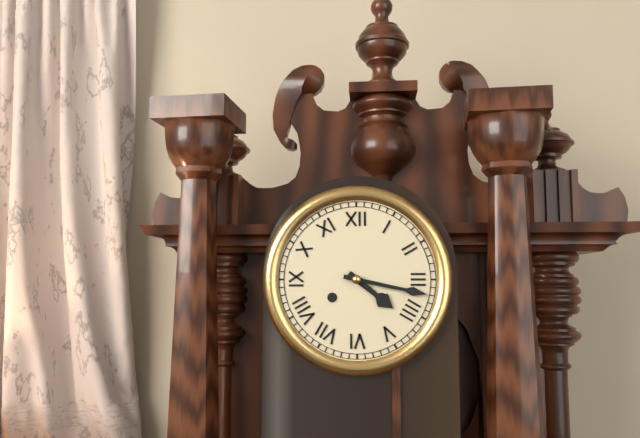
4:17
